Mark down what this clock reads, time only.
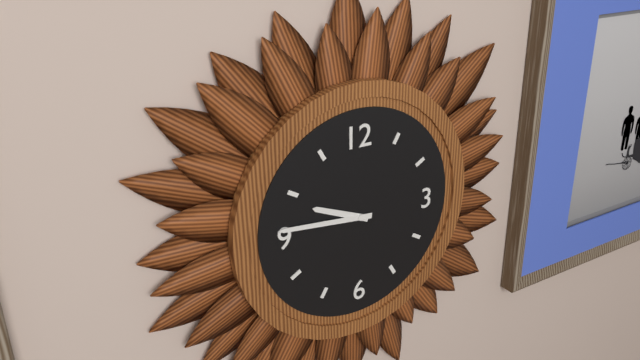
9:46
